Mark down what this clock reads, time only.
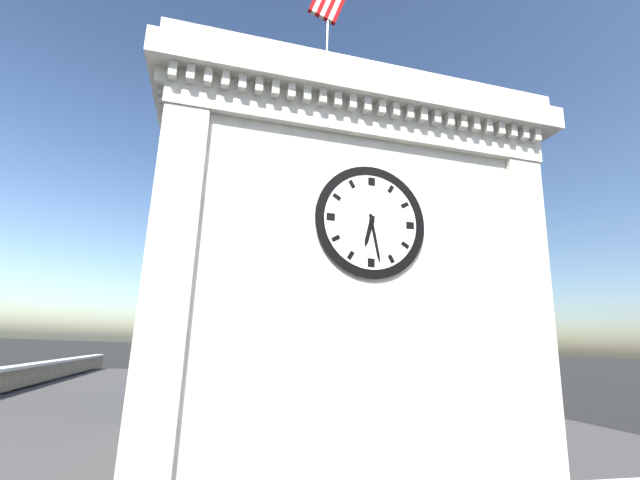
6:28
